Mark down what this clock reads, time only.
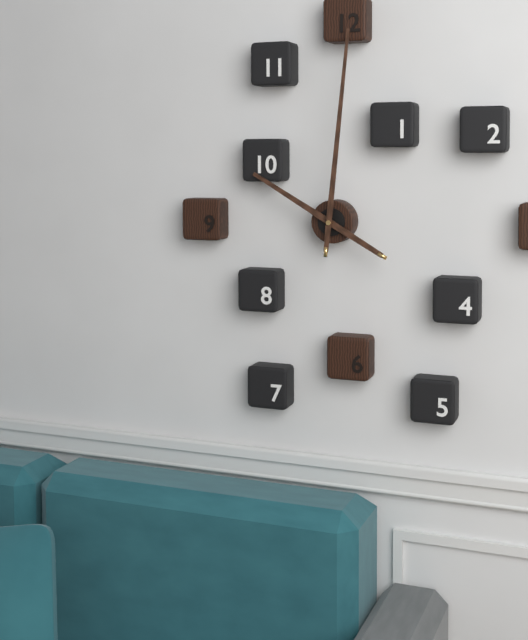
10:01
